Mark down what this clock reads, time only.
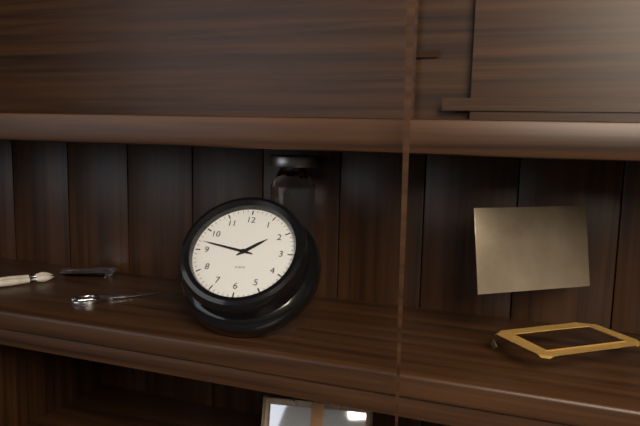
1:47
